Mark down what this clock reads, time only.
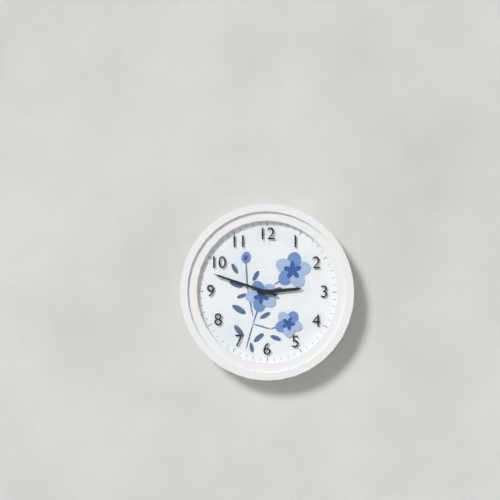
2:48
